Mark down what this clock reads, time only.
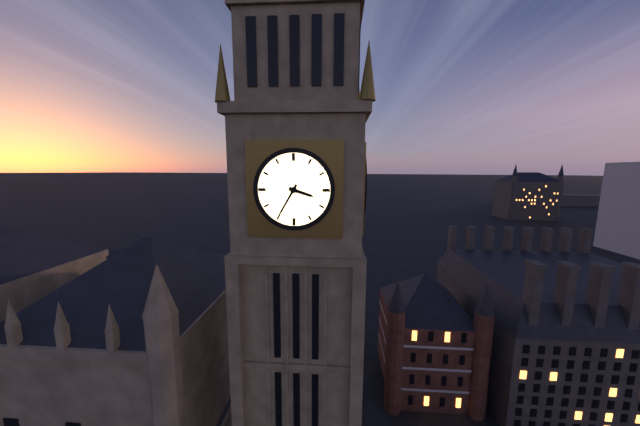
3:35
